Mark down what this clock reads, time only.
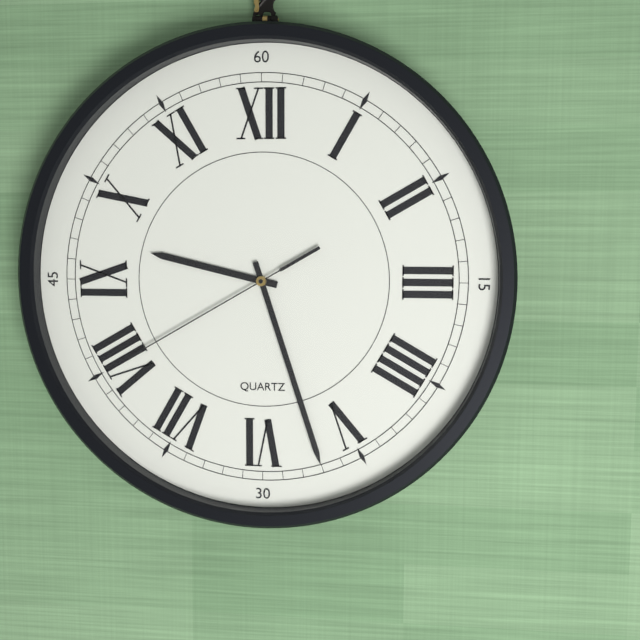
9:27:40
